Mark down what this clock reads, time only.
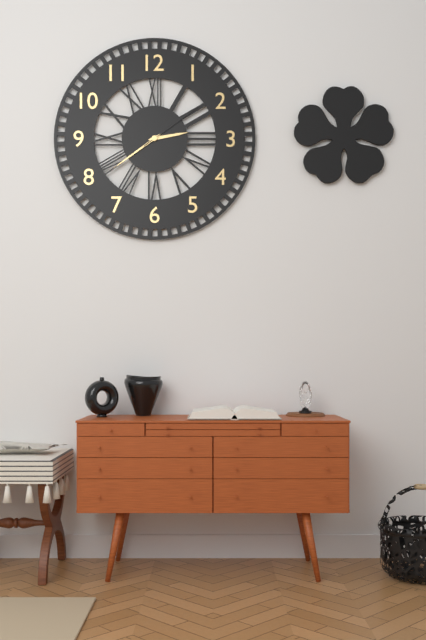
2:39:09
